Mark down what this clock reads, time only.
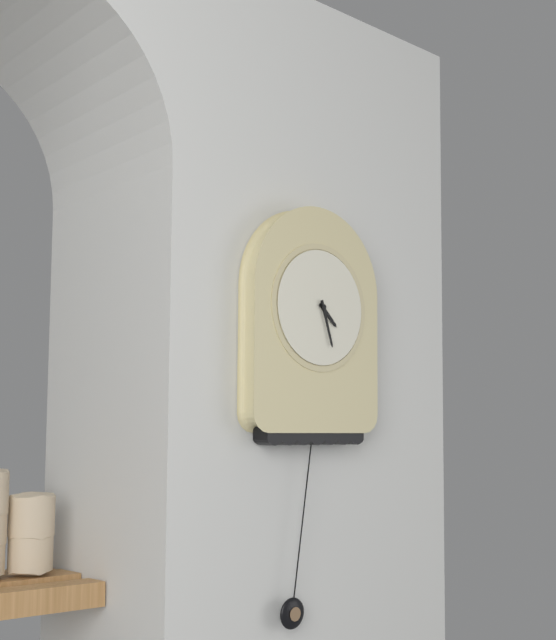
4:27
